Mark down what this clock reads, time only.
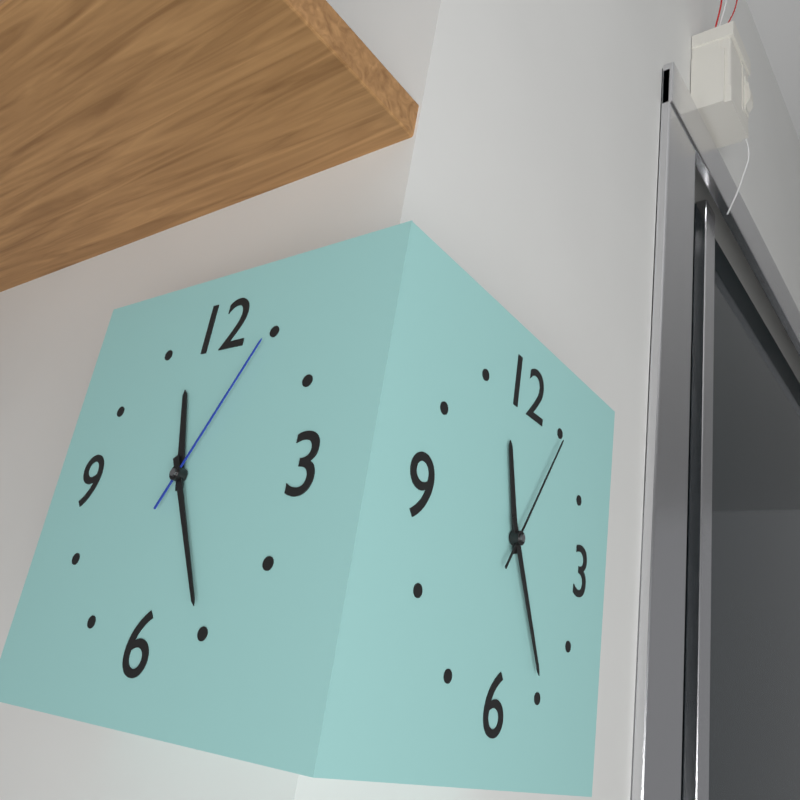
11:25:05
